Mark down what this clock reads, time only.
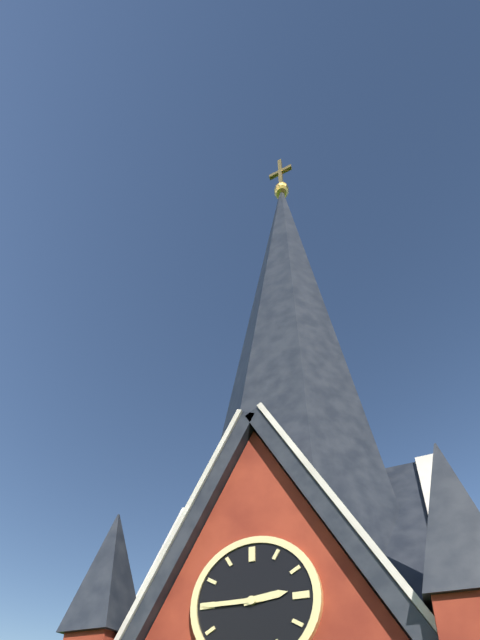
2:45
